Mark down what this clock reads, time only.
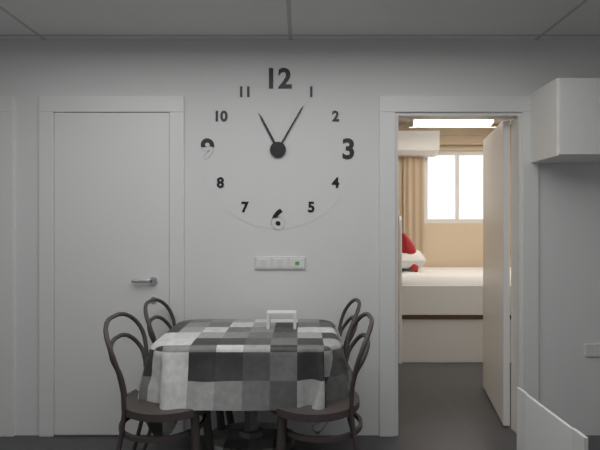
11:05
